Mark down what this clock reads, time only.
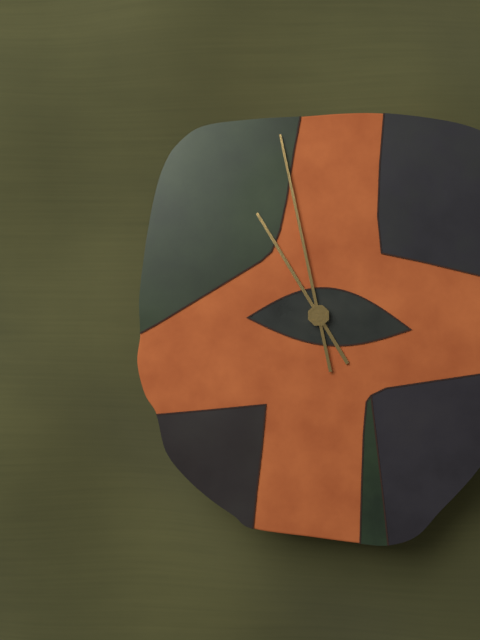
10:58
